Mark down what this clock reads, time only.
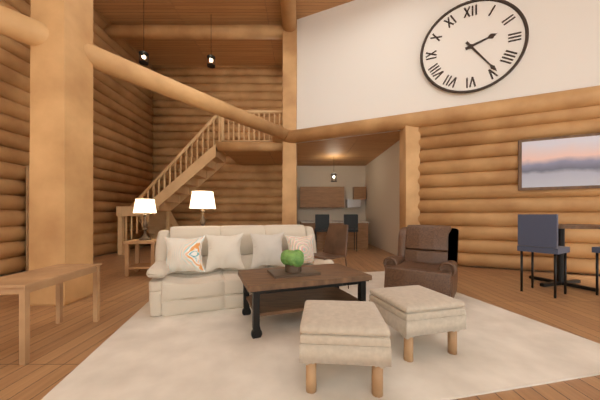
2:24
